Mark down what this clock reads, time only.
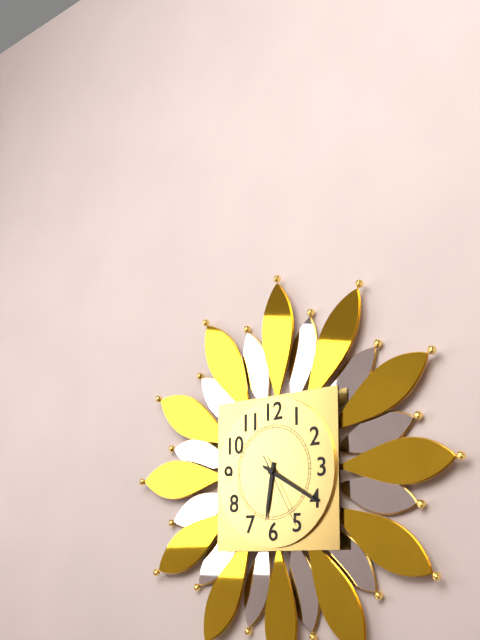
6:20:25
